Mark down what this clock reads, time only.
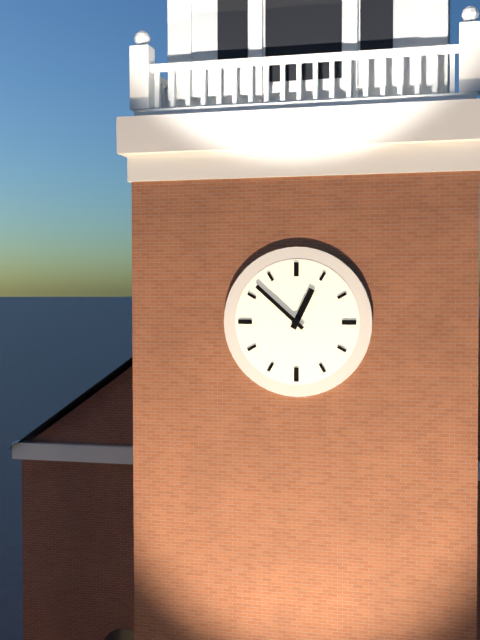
12:52
